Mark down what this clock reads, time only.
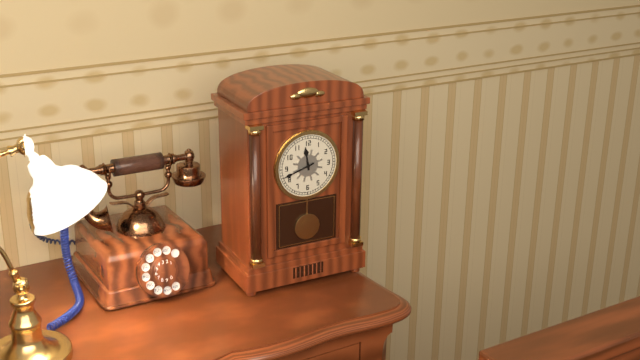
11:42
